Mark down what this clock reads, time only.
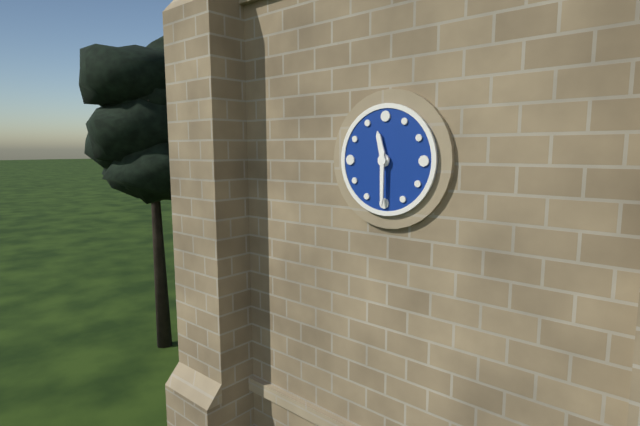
11:30
